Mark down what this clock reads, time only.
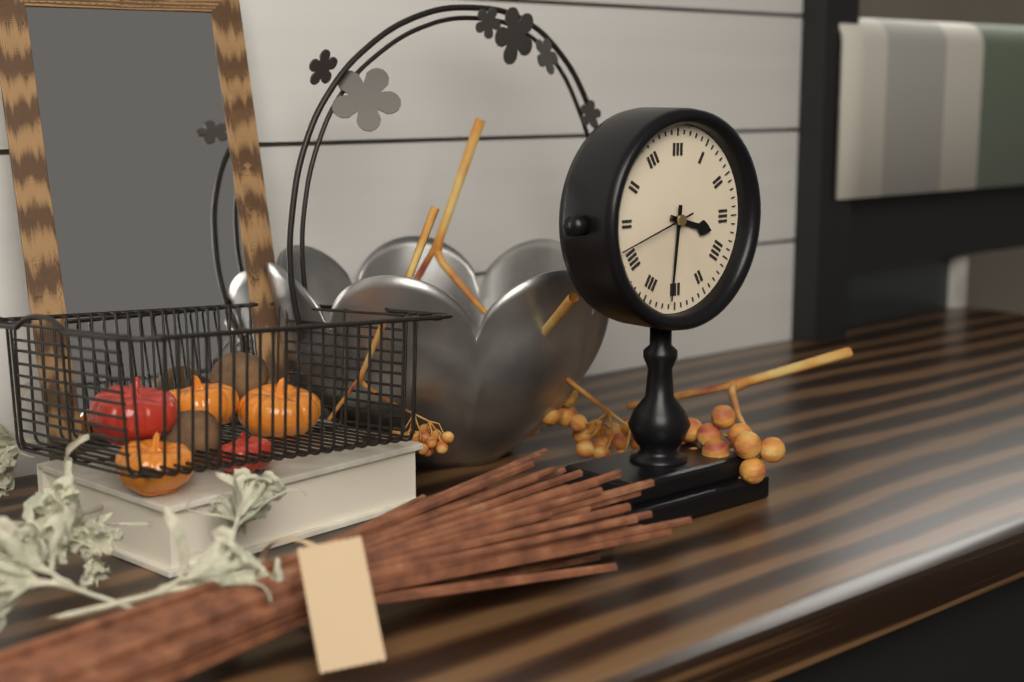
3:31:42
